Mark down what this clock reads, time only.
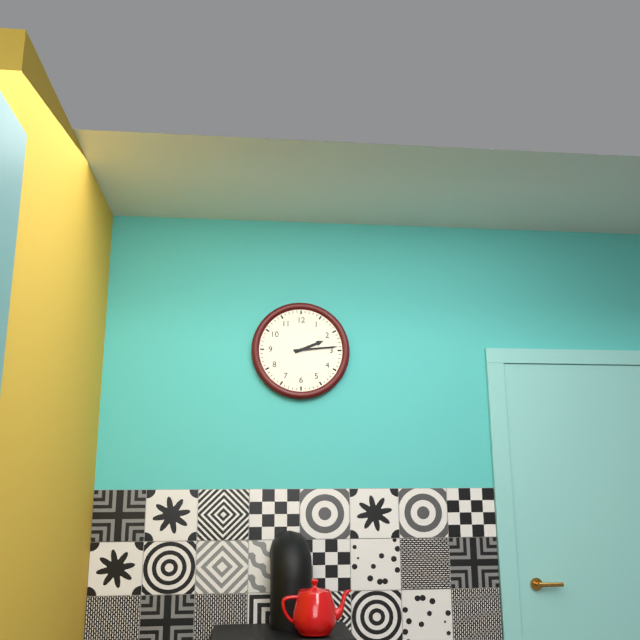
2:14
